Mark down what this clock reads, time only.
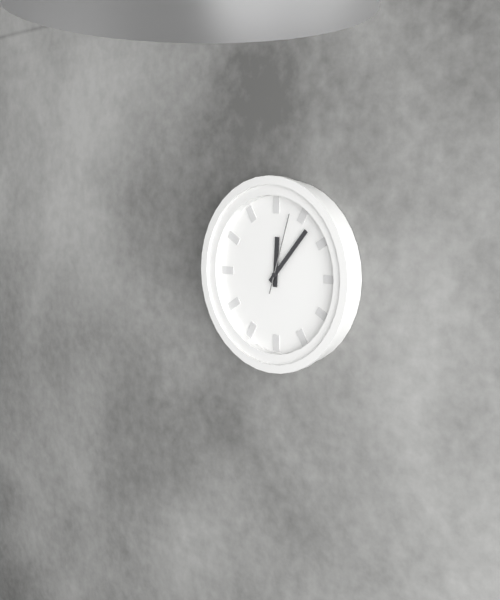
12:07:03
